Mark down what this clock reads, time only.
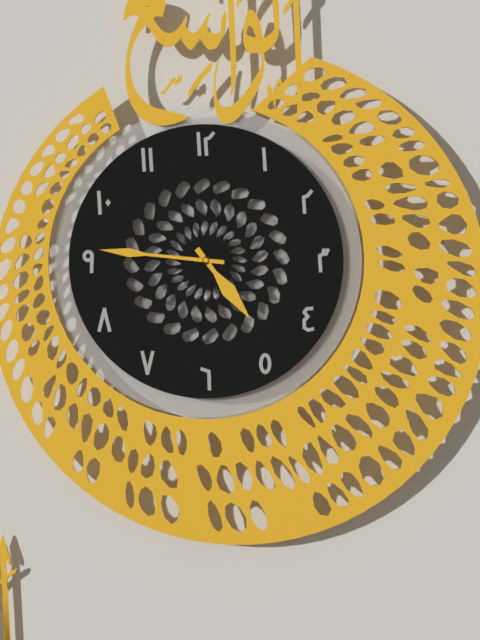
4:46
